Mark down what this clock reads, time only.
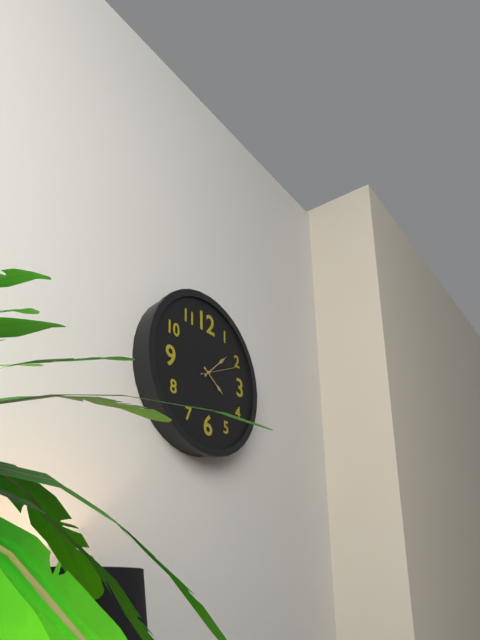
4:08
